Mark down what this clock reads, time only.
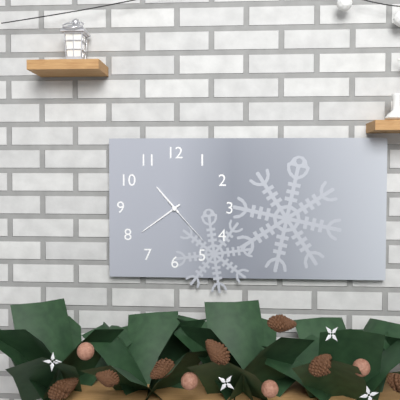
10:39:23
